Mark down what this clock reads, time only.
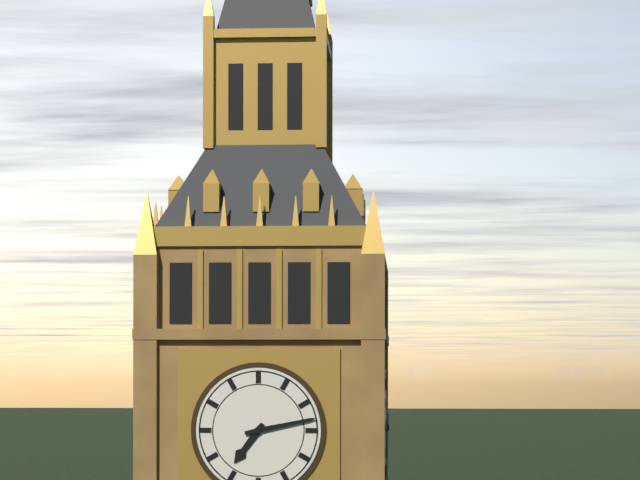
7:13
